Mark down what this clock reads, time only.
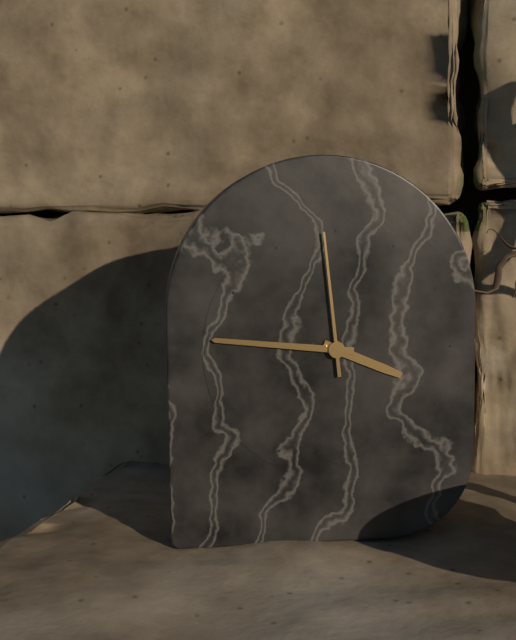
3:46:59
